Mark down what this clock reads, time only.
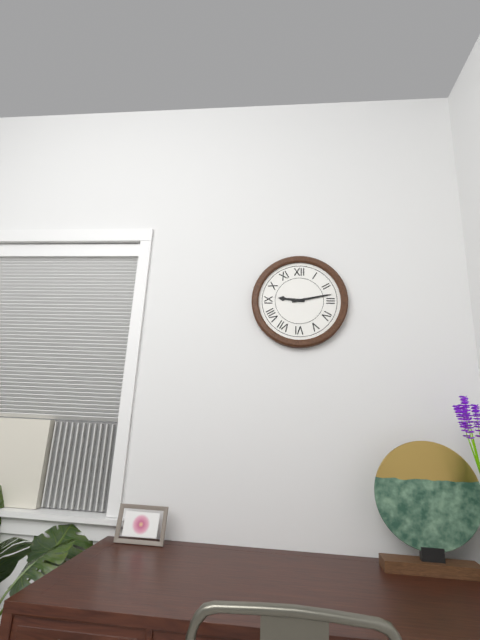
9:13
